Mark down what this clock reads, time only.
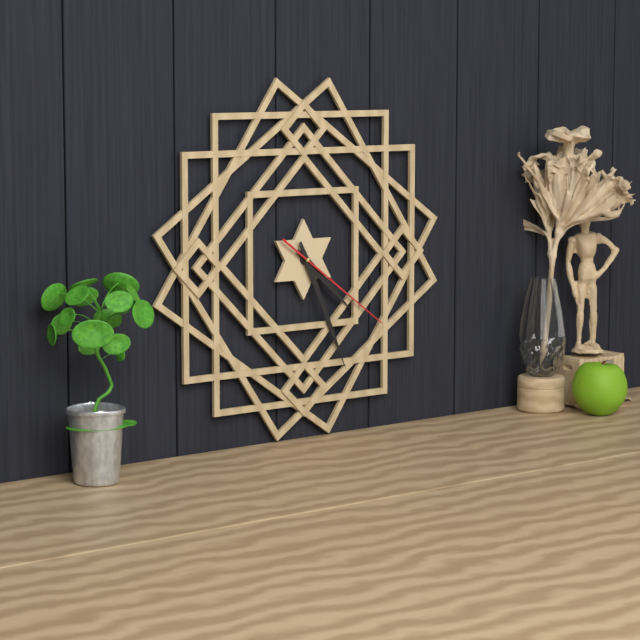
4:26:21
